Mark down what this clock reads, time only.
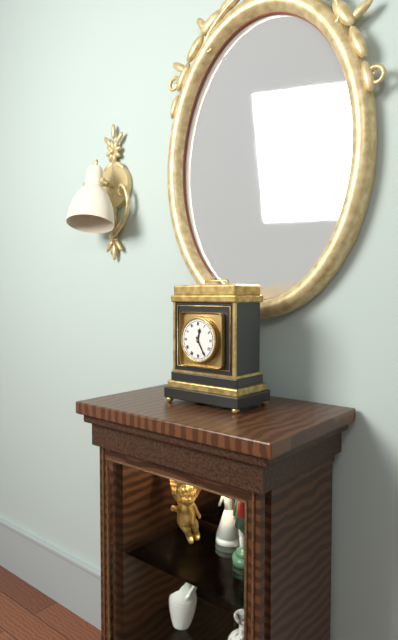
12:25
